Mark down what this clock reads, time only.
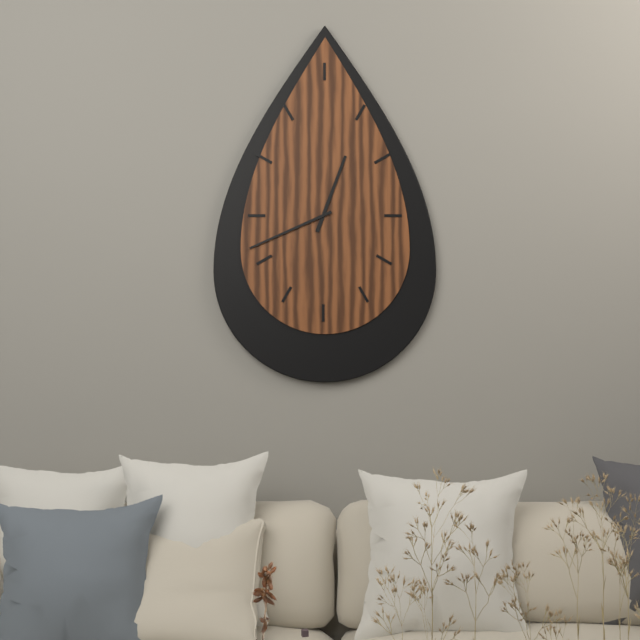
12:41
